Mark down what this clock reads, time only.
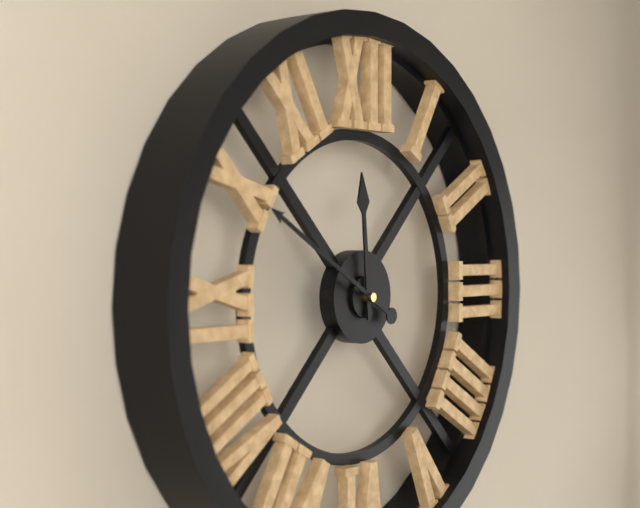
11:50
